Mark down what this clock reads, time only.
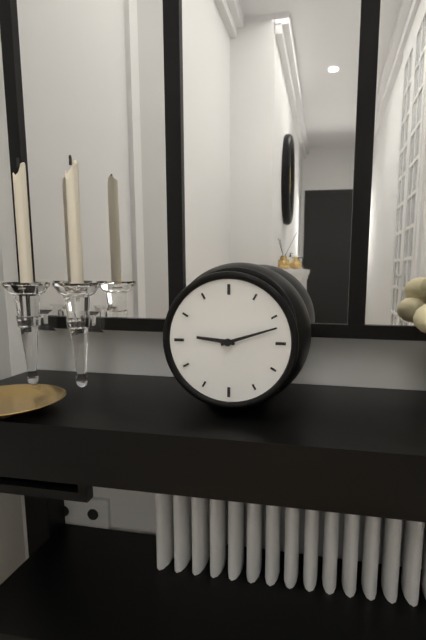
9:12
